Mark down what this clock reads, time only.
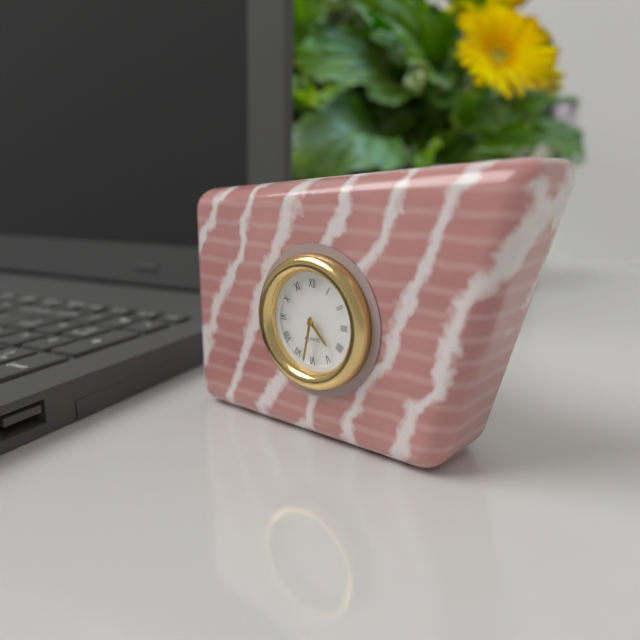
4:32
